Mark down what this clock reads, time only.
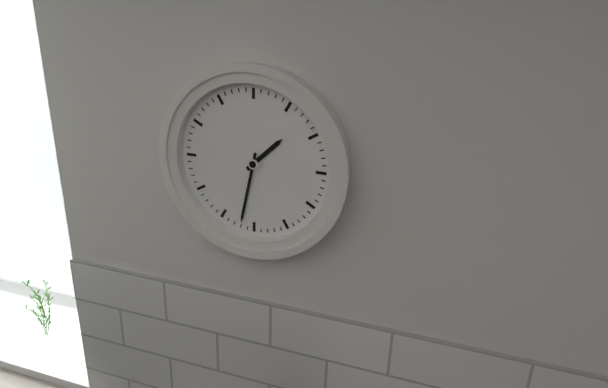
1:32
